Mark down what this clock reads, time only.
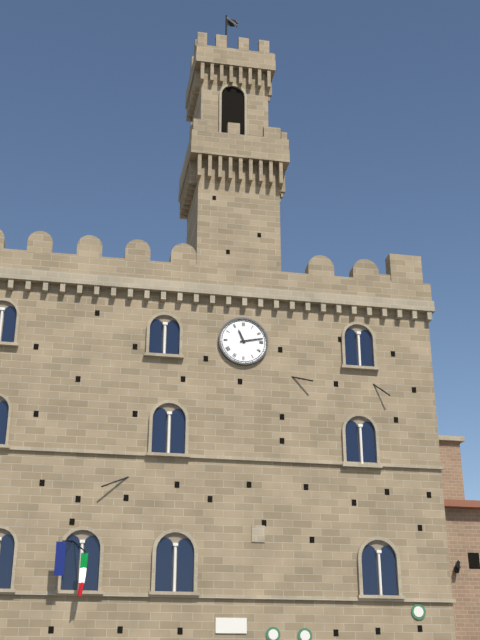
11:13
